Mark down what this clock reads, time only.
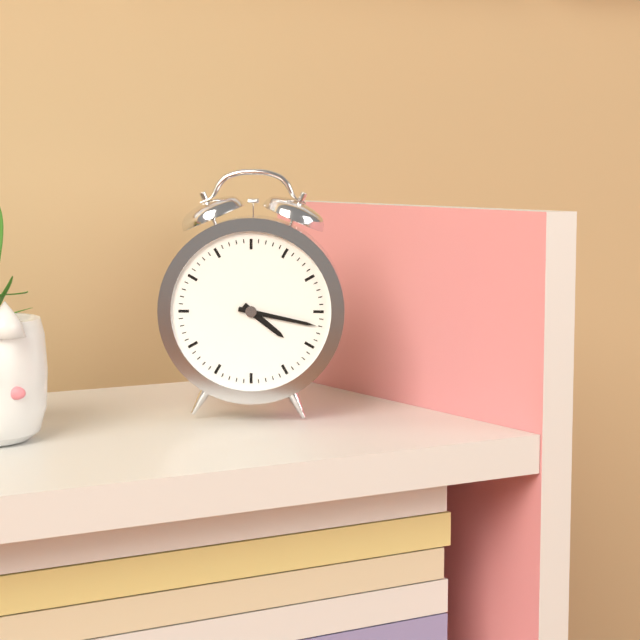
4:17
